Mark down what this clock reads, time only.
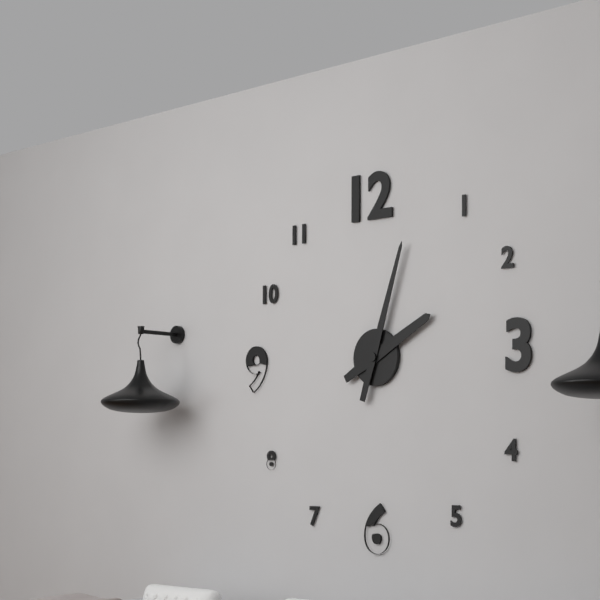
2:03
